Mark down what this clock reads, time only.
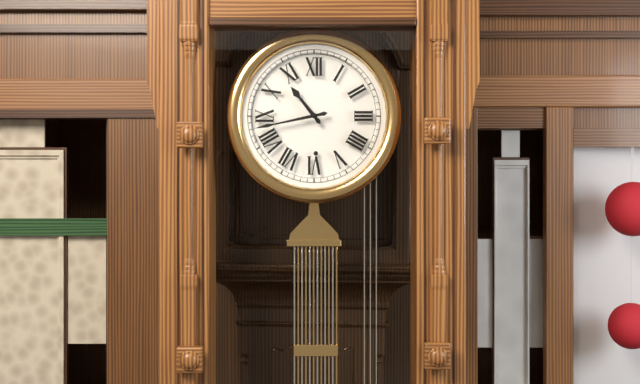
10:43
